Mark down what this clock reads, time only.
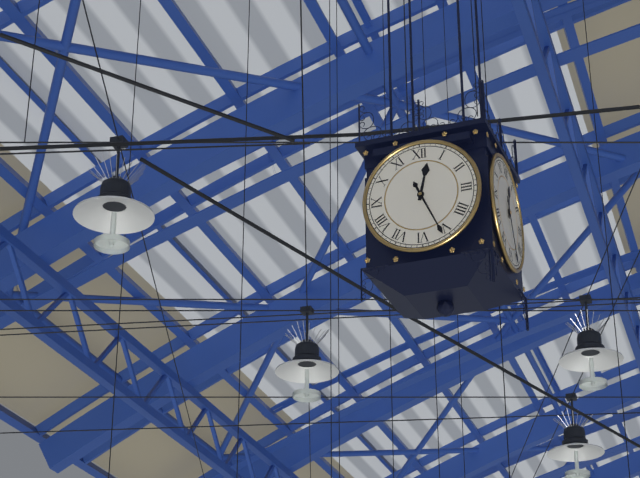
12:26
